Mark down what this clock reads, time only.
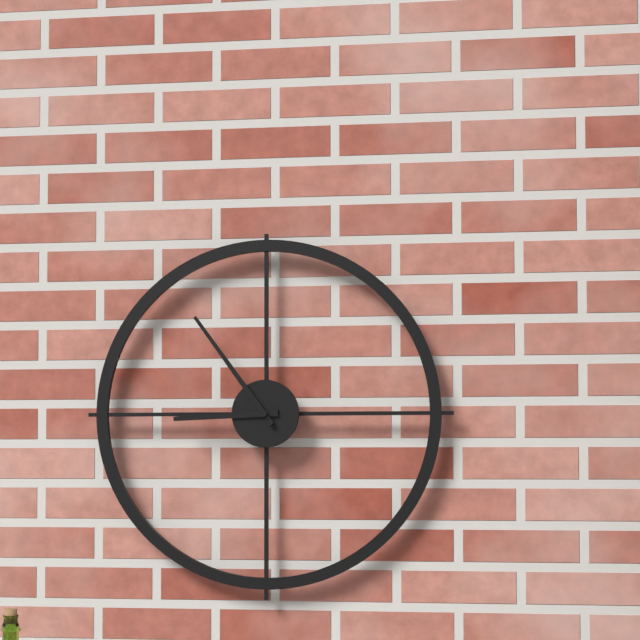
8:54
